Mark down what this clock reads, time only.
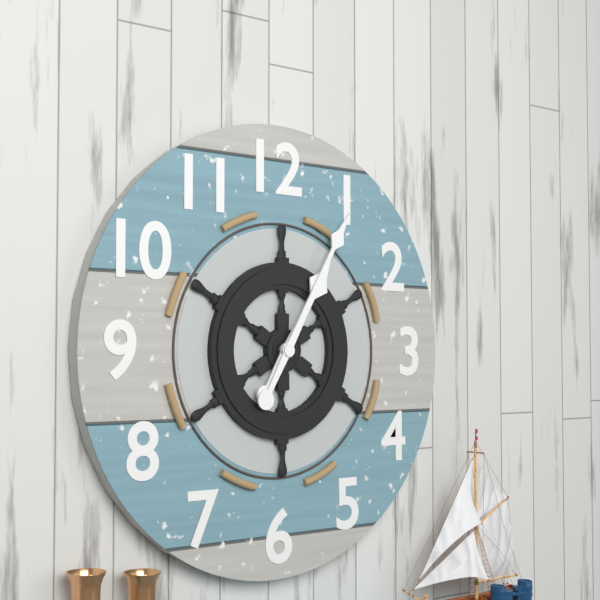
1:05
